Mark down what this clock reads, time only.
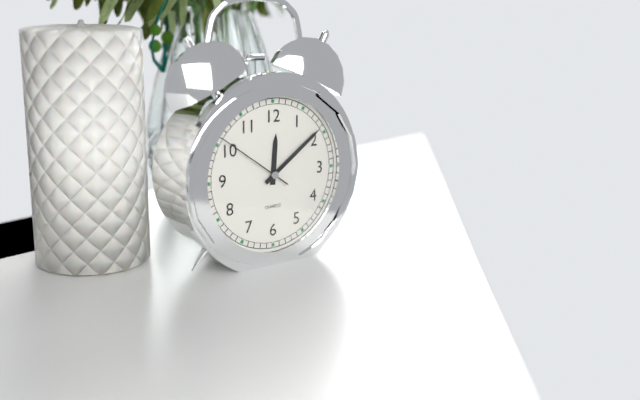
12:09:51
